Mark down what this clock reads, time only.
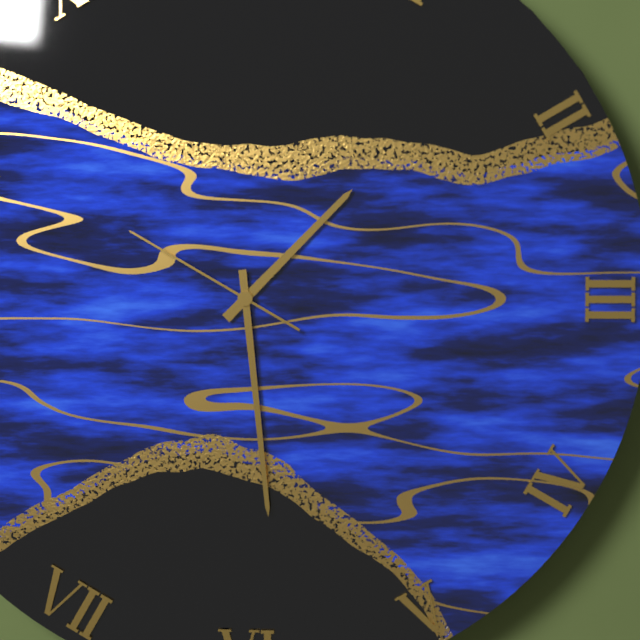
1:29:50
